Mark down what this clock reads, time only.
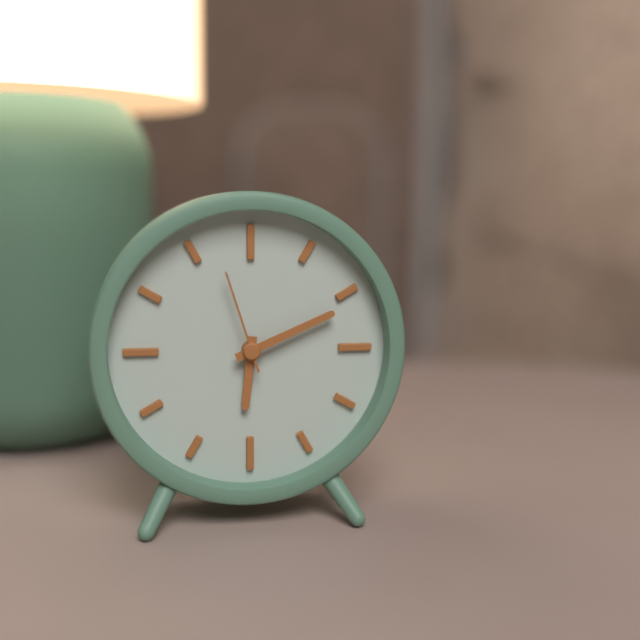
6:11:57
